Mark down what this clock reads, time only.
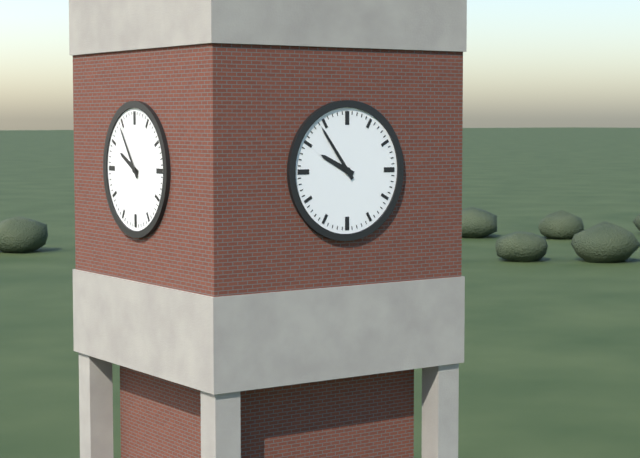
9:54
